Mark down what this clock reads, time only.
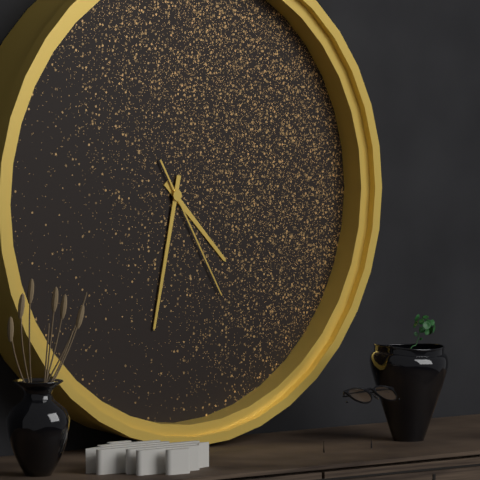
4:32:25
